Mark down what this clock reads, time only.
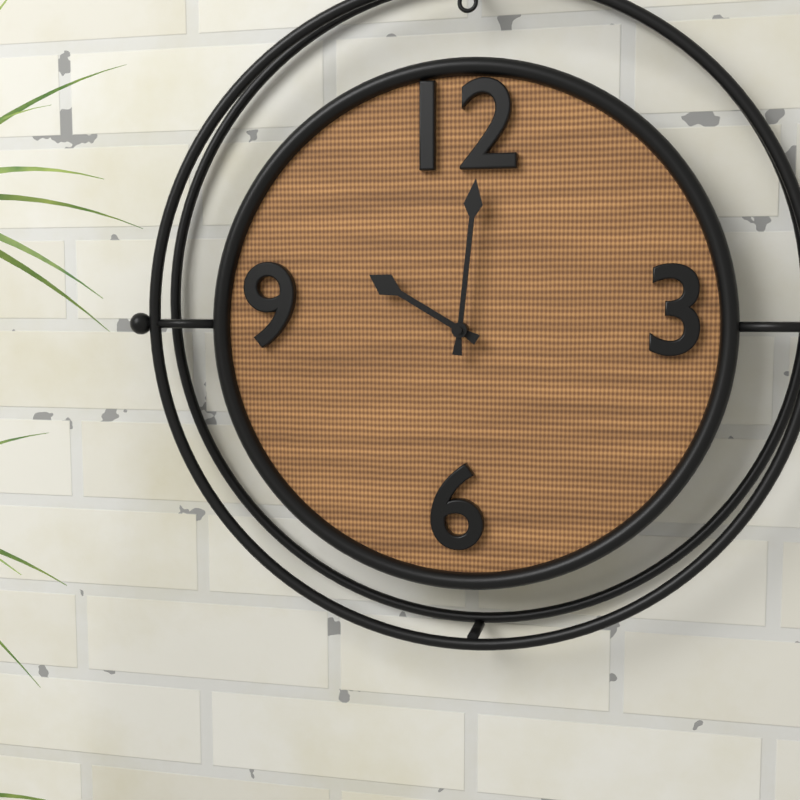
10:01
